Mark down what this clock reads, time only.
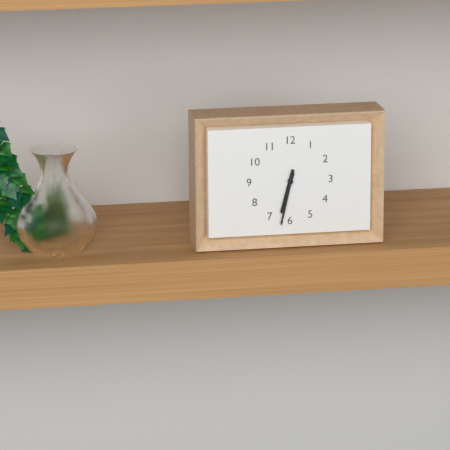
6:32
